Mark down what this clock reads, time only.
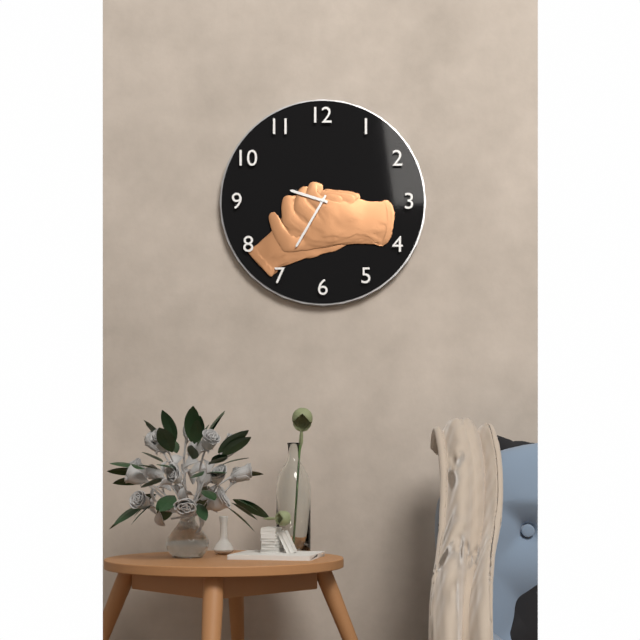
9:35
